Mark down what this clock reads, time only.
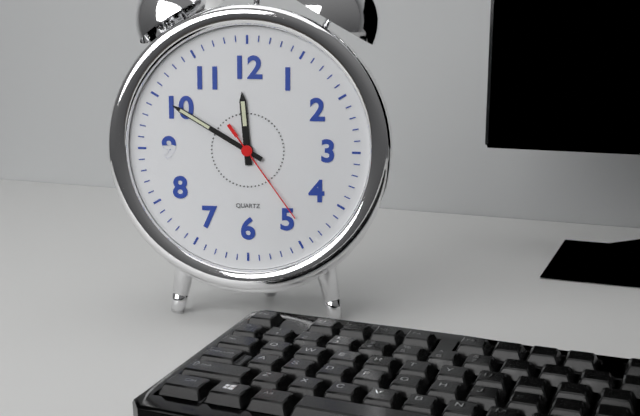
11:50:24
